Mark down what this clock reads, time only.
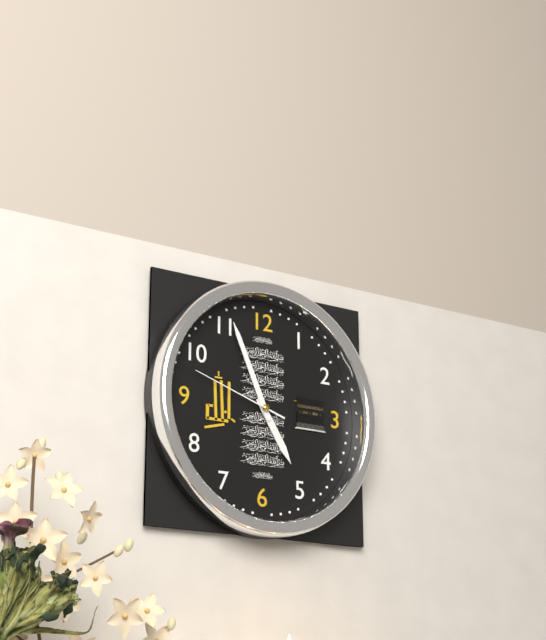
4:56:48
